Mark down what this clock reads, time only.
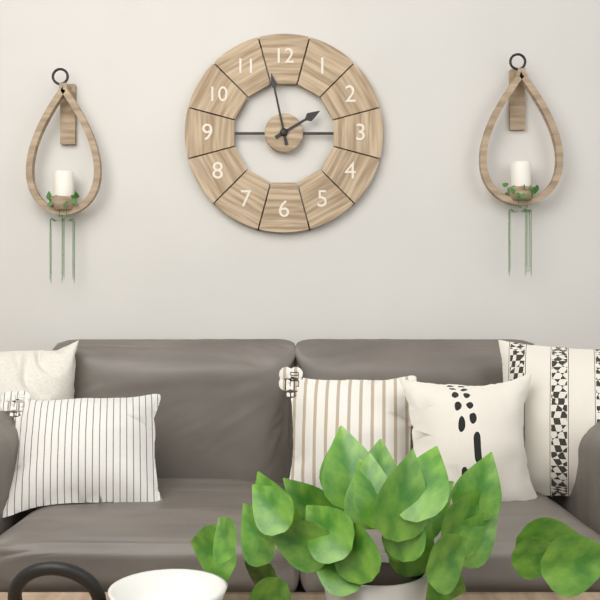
1:58
